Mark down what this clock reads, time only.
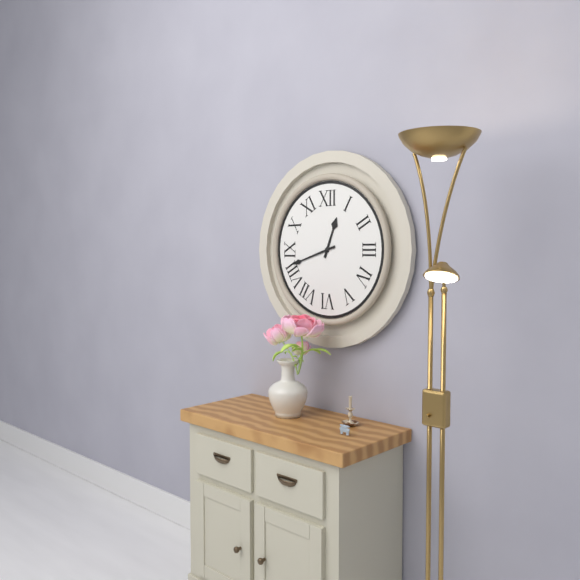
12:42
